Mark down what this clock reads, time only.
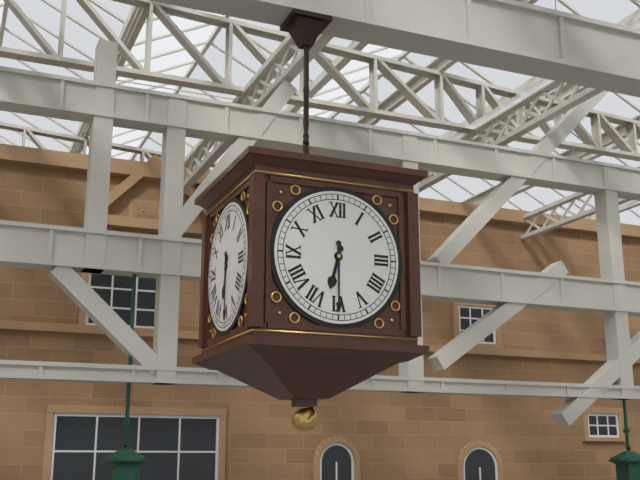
6:30
